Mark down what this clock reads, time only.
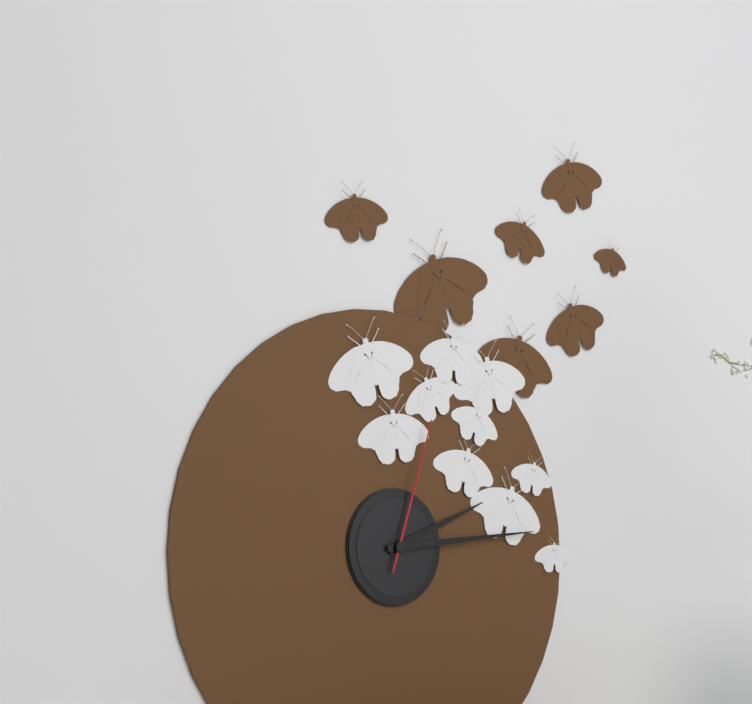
2:14:03
